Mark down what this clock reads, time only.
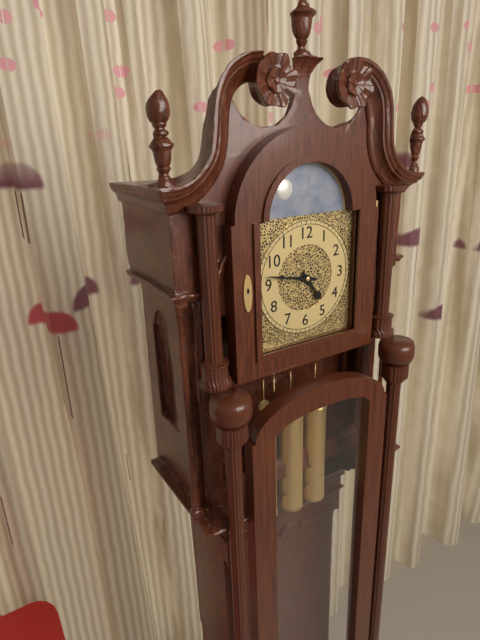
4:47
